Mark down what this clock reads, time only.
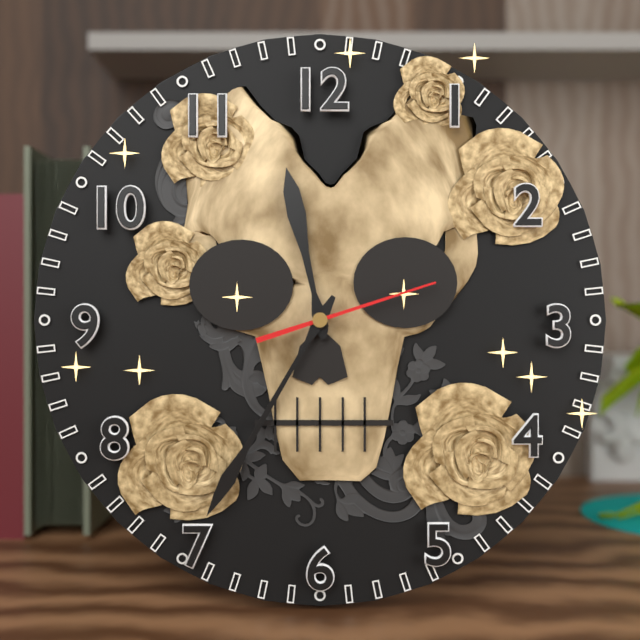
11:35:12
